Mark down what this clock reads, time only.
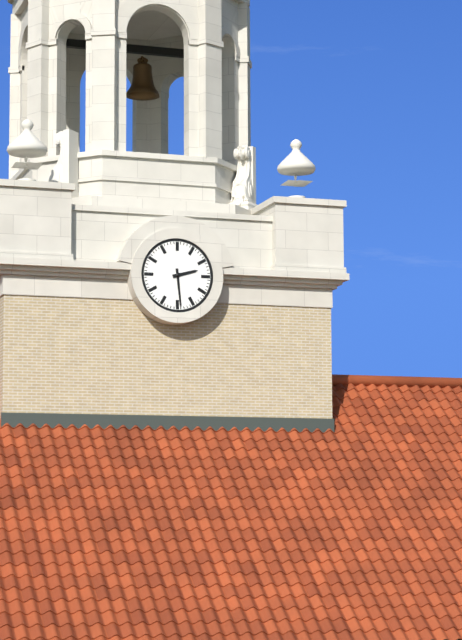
2:29
